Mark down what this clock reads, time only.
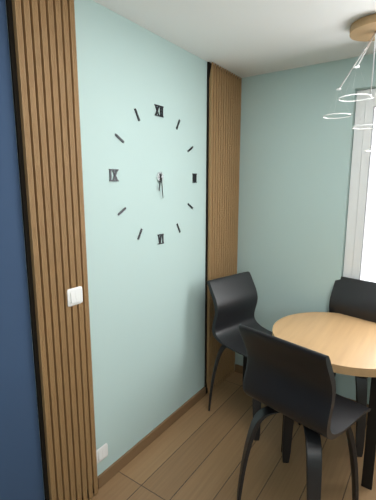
6:29
